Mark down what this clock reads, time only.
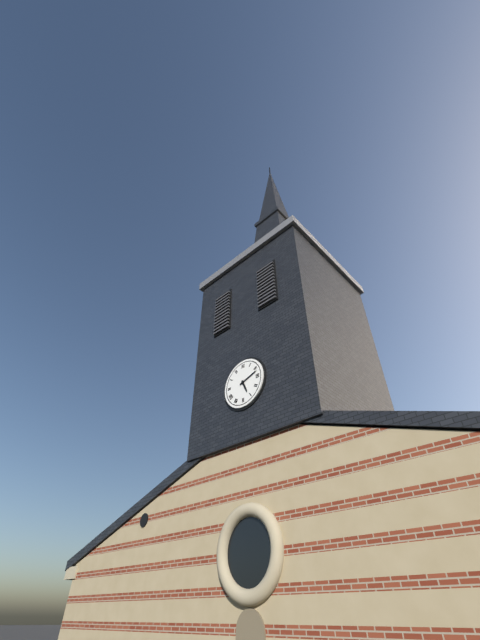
5:12
